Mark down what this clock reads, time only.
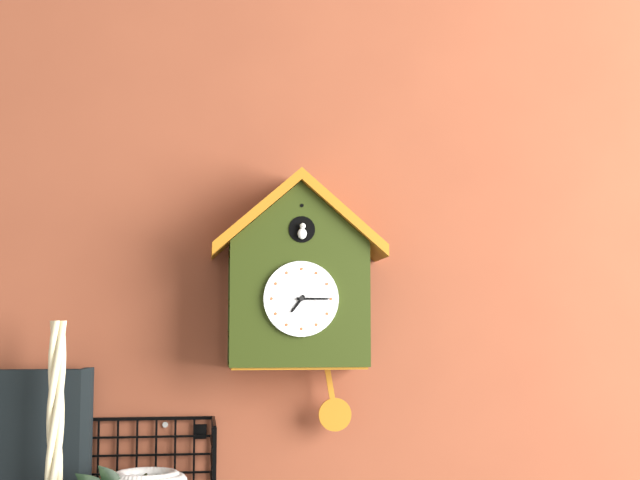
7:15
